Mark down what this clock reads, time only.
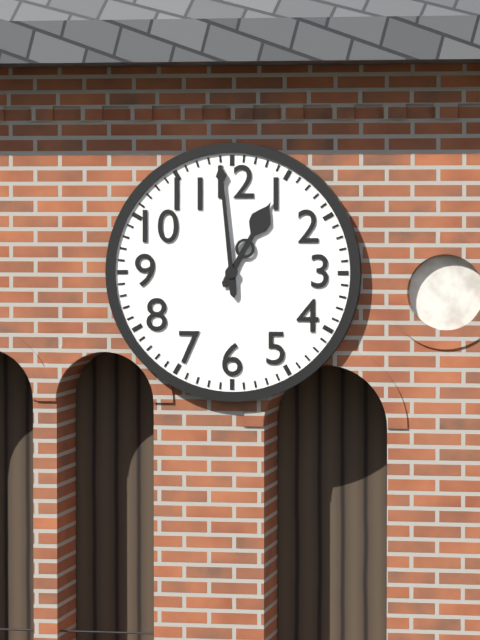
12:59
